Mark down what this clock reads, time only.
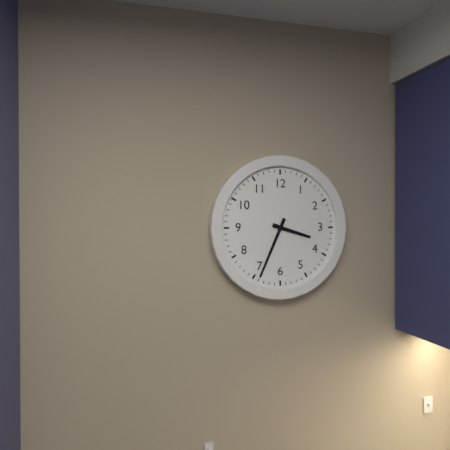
3:34
